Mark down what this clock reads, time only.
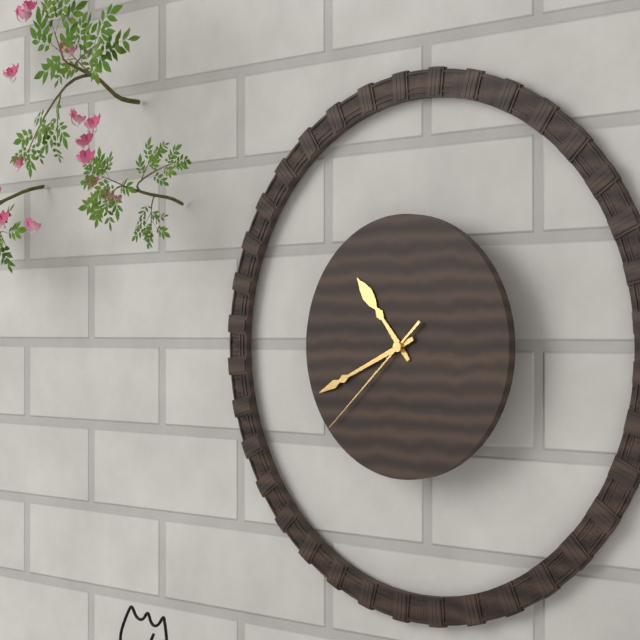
10:41:38
